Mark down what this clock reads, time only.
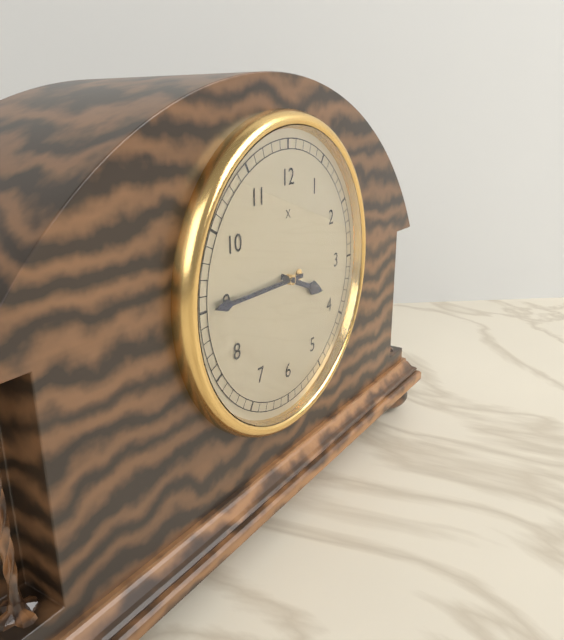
3:45
